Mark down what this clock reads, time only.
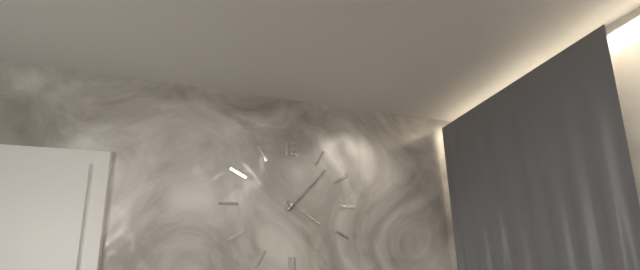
4:07
